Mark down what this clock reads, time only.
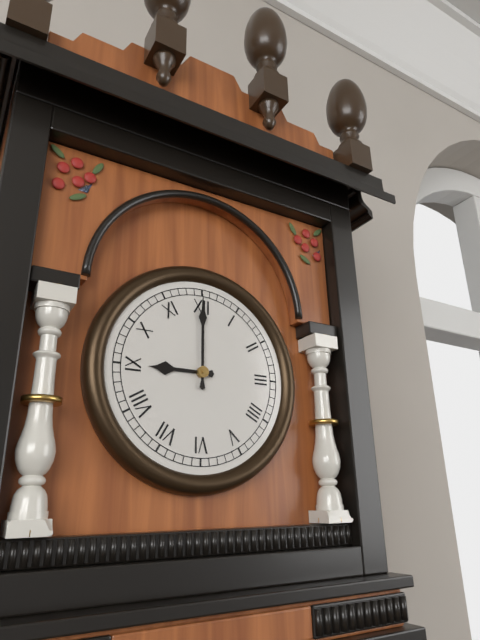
9:00
